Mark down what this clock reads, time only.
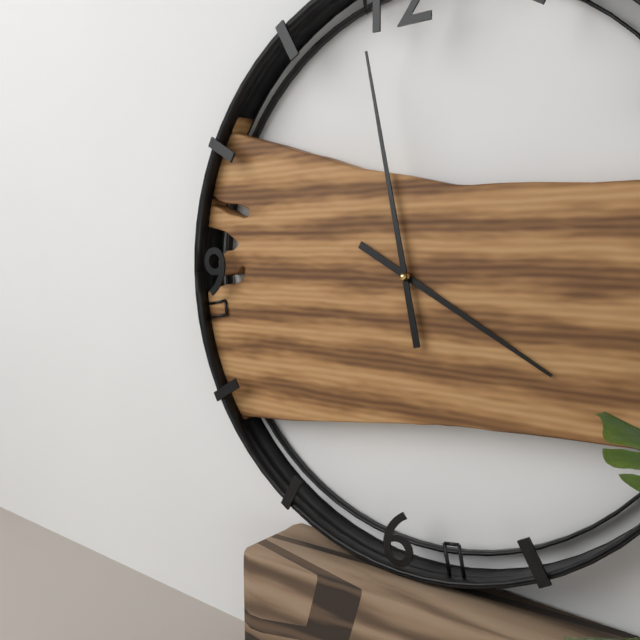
3:58
